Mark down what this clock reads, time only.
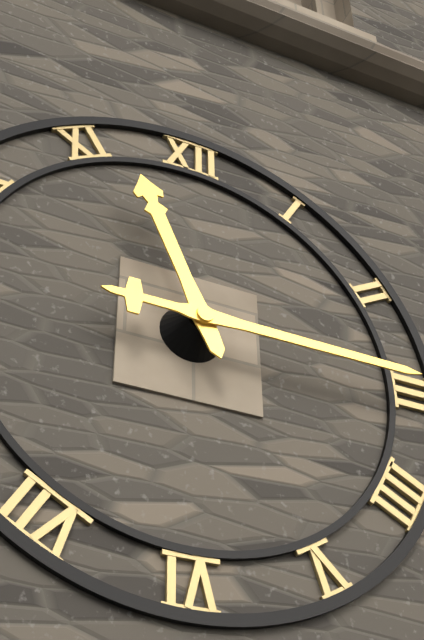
11:15
